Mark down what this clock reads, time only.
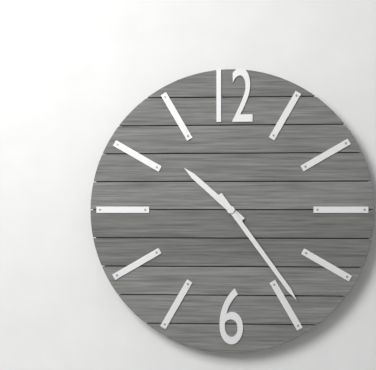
10:24
